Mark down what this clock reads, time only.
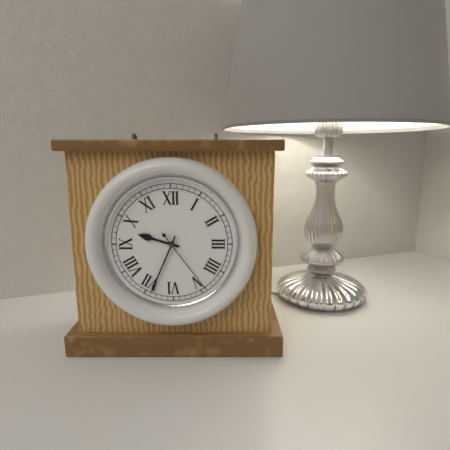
9:34:24
